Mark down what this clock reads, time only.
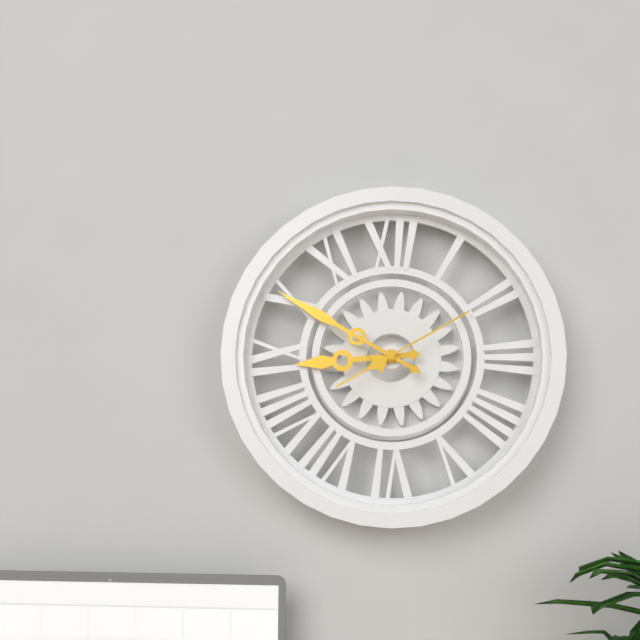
8:50:10
